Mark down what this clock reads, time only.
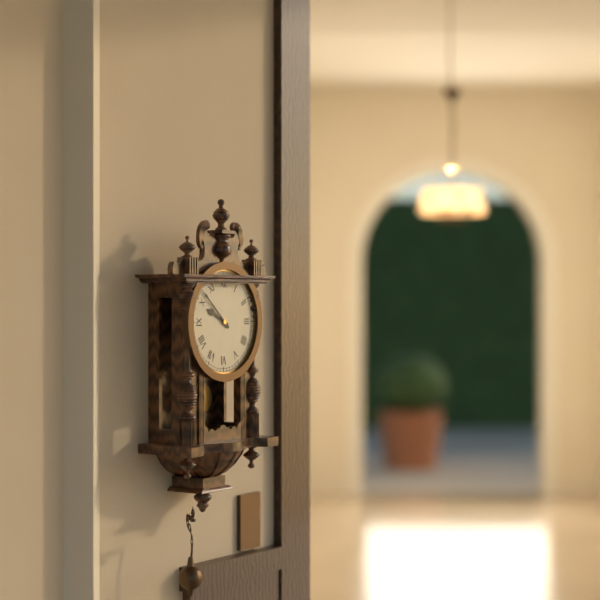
9:52
